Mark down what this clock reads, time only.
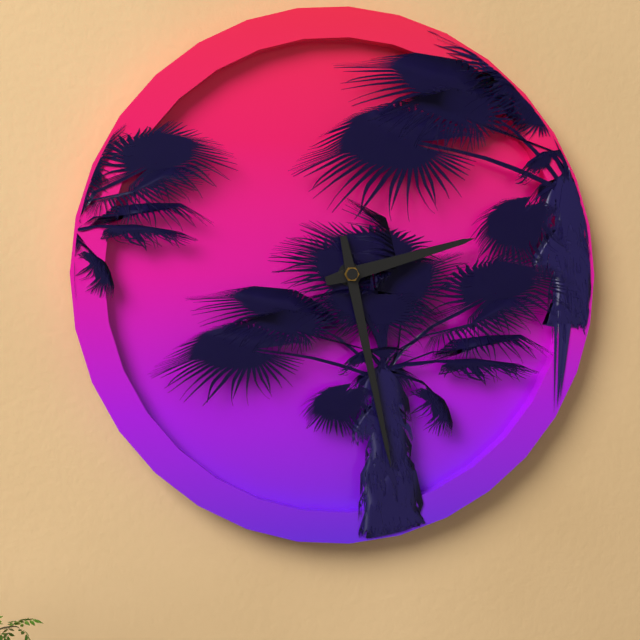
2:28
